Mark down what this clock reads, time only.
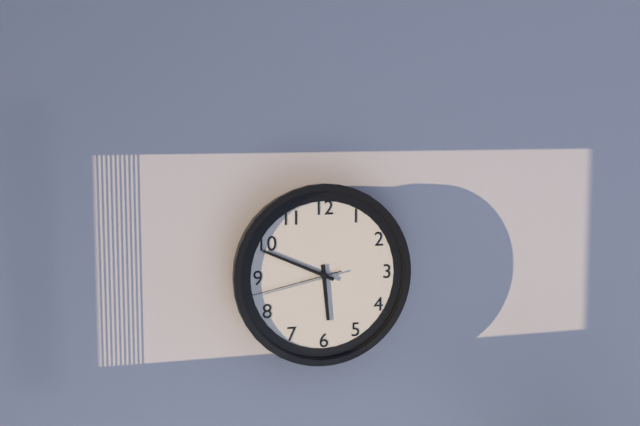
5:49:43
